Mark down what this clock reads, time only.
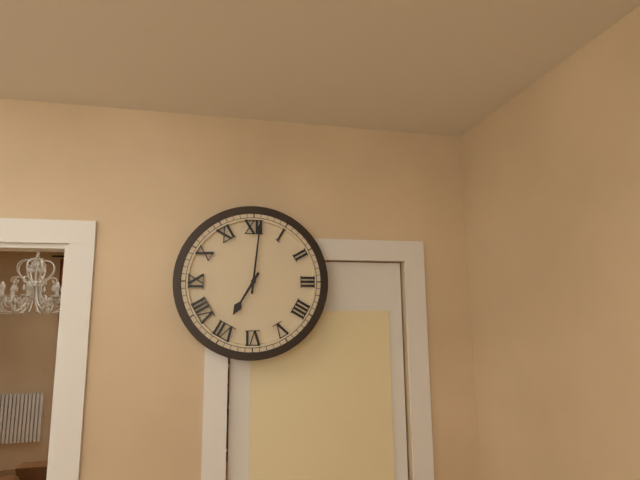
7:01
